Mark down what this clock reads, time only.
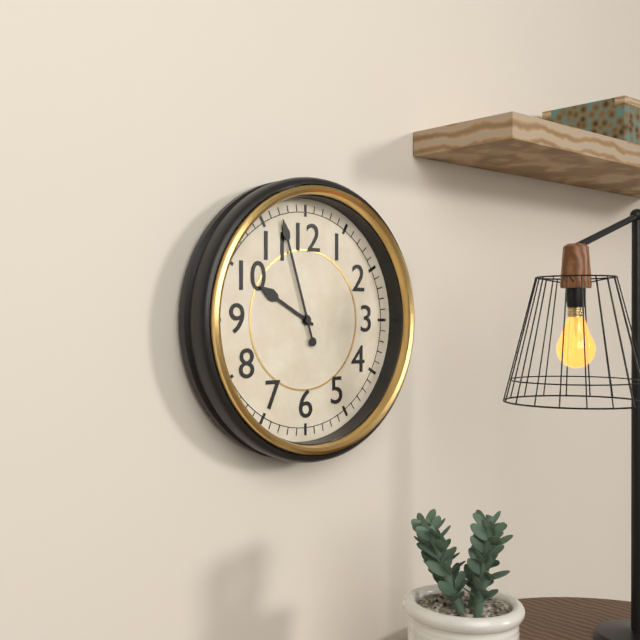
9:57
